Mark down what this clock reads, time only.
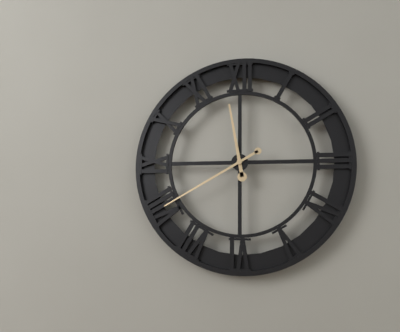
11:40
